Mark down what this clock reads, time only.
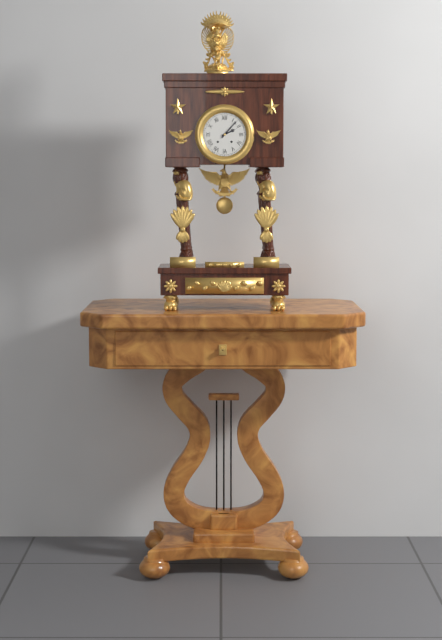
2:07
